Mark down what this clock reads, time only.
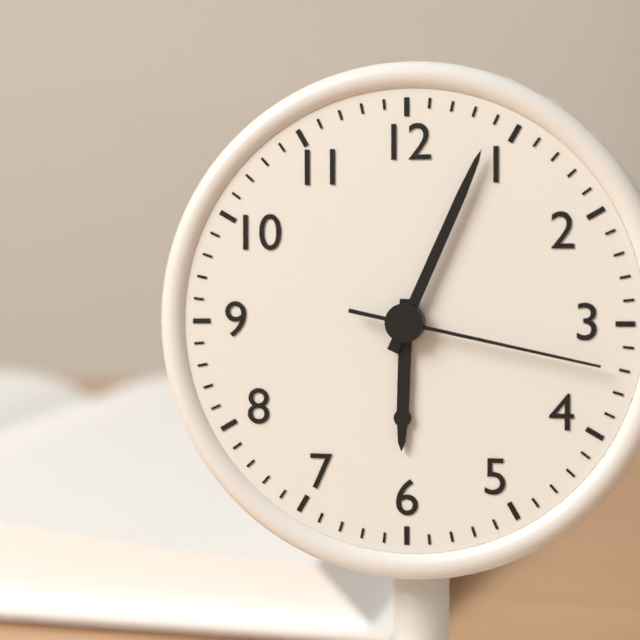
6:04:17
